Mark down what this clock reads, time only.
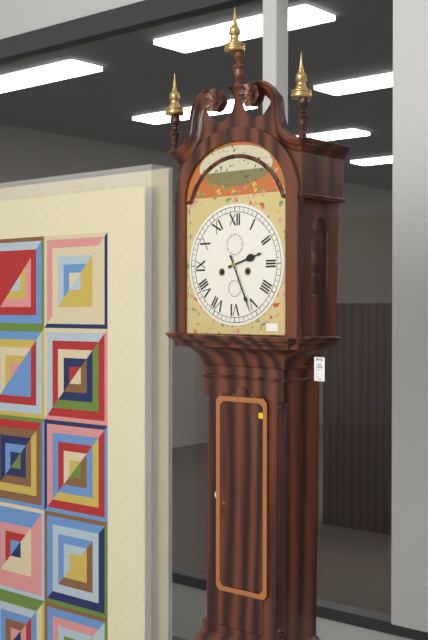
2:26
